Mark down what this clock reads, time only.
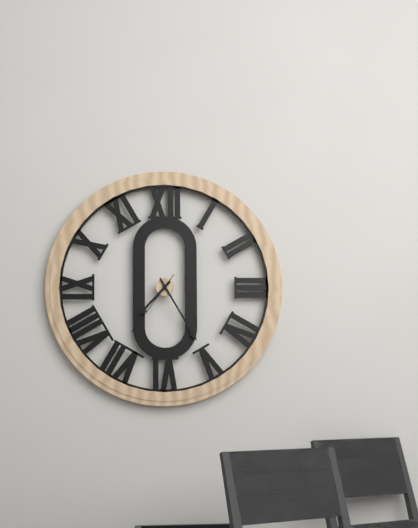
7:25:36
